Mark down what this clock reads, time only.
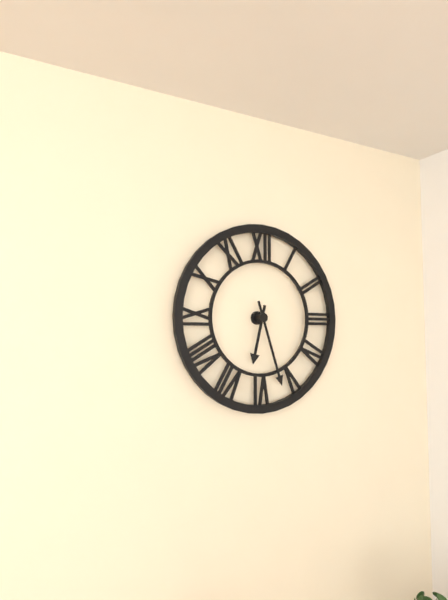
6:27
